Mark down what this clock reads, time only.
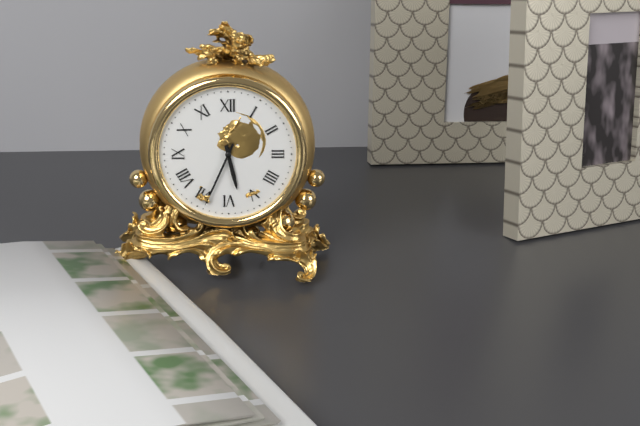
5:34
